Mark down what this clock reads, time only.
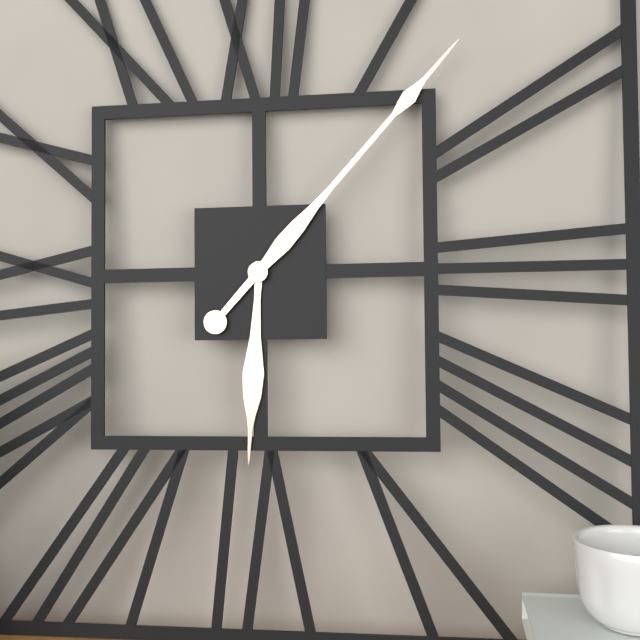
6:07
